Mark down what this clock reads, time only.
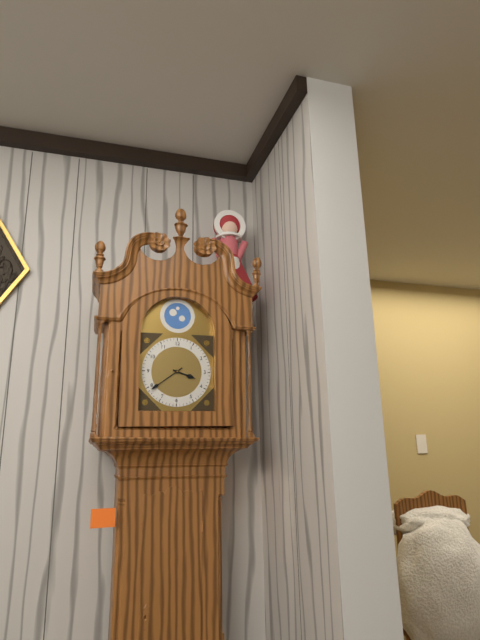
3:39
